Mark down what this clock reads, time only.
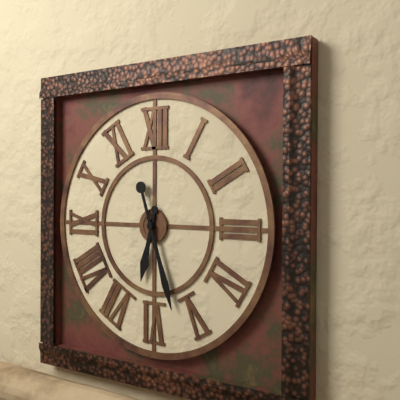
6:27
